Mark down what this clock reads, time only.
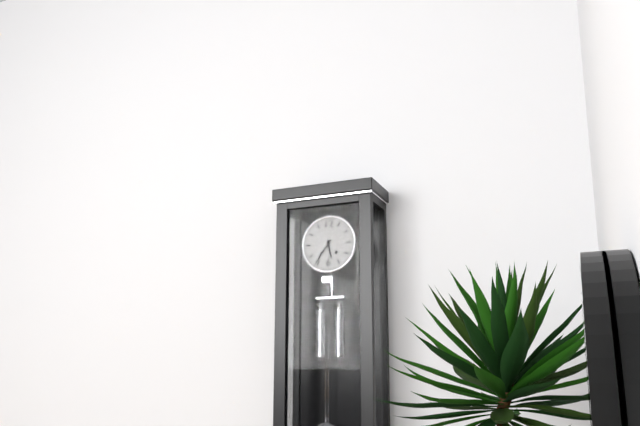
5:36
